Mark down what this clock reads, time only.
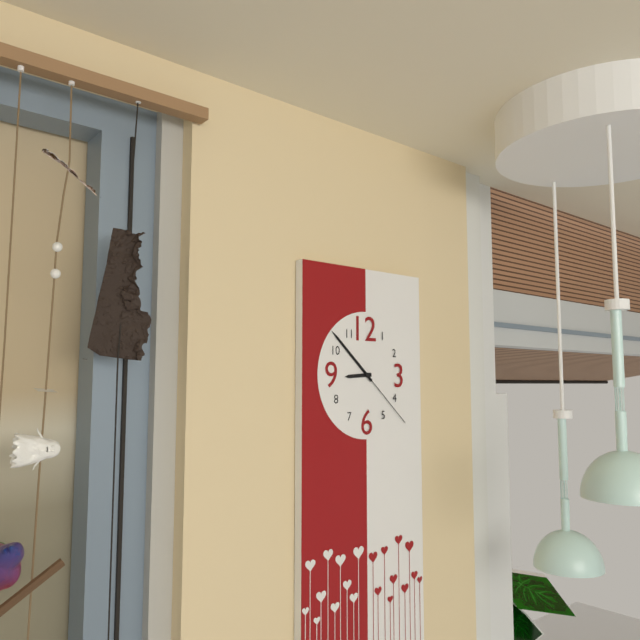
8:52:22
